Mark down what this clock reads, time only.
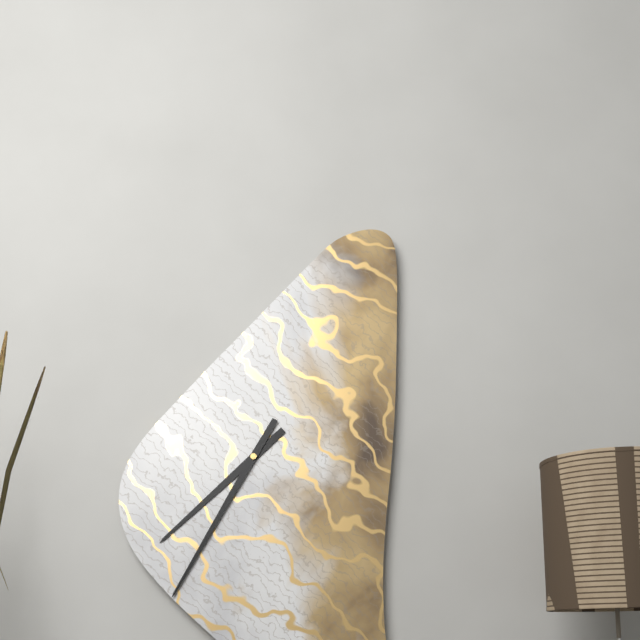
7:35
